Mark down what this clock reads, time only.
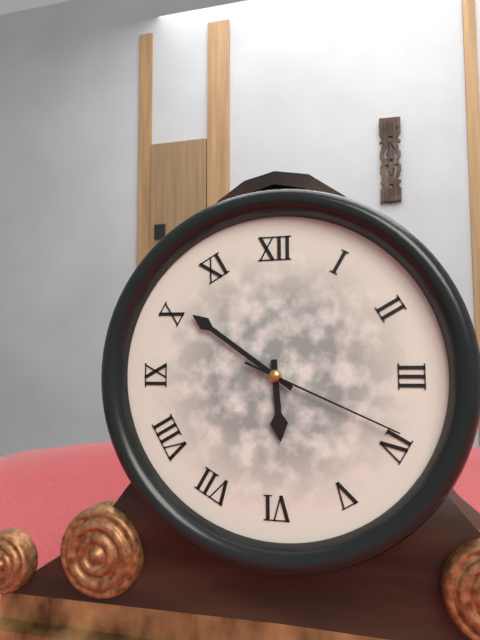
5:51:19
